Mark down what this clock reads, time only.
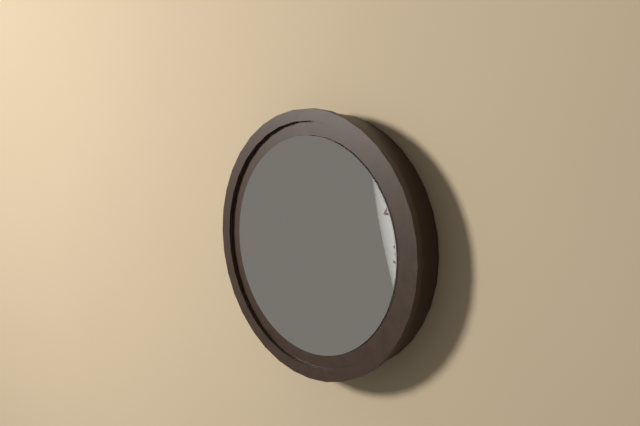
4:21
